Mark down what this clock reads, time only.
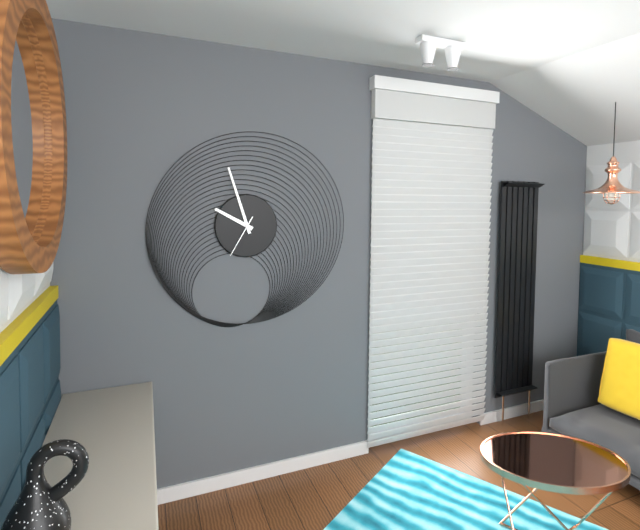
9:57
